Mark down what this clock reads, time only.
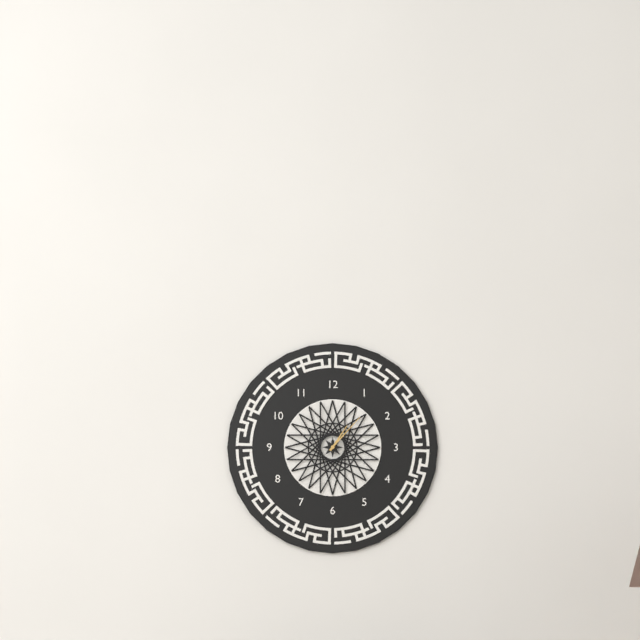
1:07
